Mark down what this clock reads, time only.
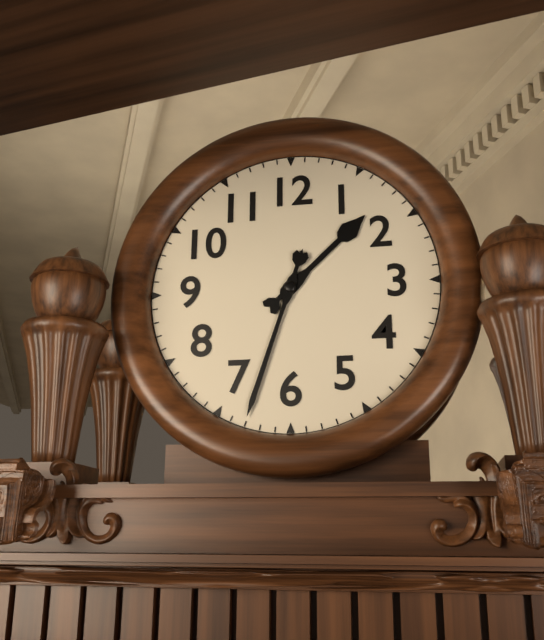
1:33
